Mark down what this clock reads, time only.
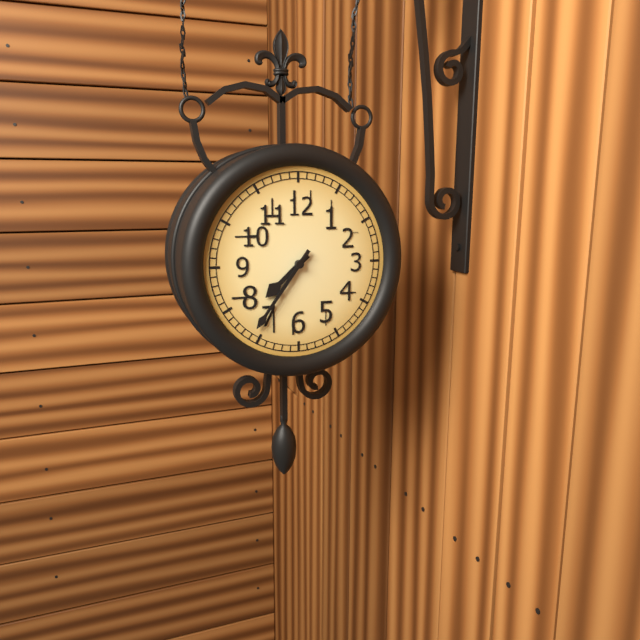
7:36
